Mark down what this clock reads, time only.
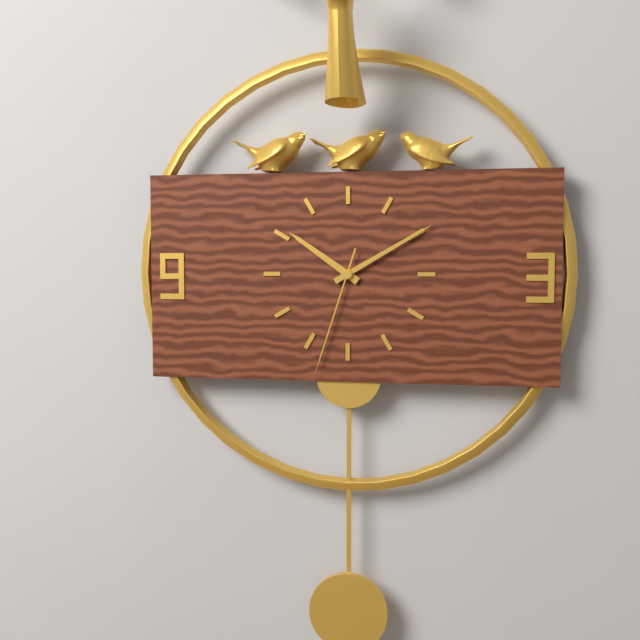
10:10:33
